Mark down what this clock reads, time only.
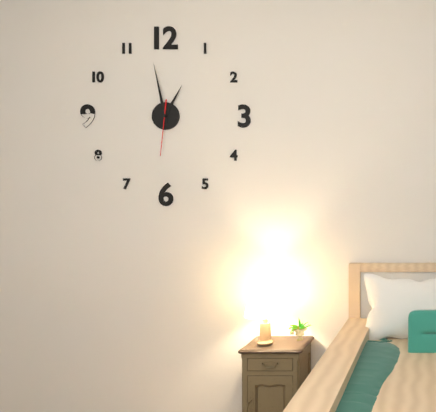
12:58:31
